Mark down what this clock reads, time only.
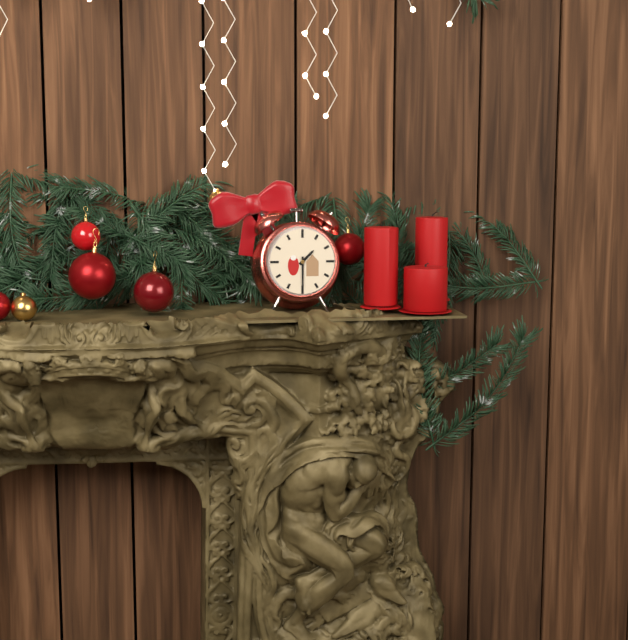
1:30
